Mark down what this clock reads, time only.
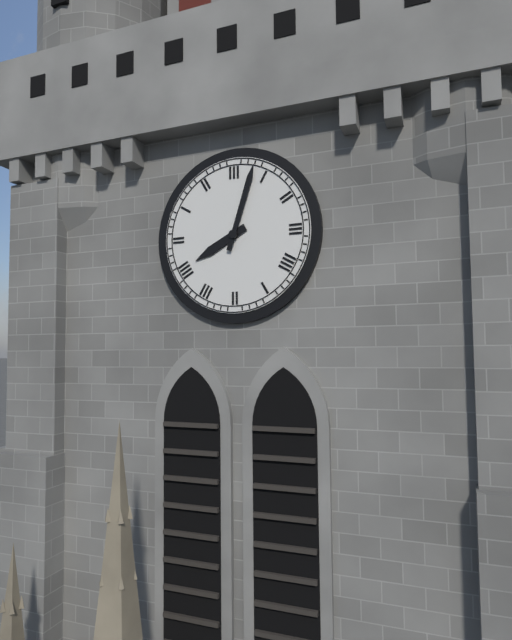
8:03
